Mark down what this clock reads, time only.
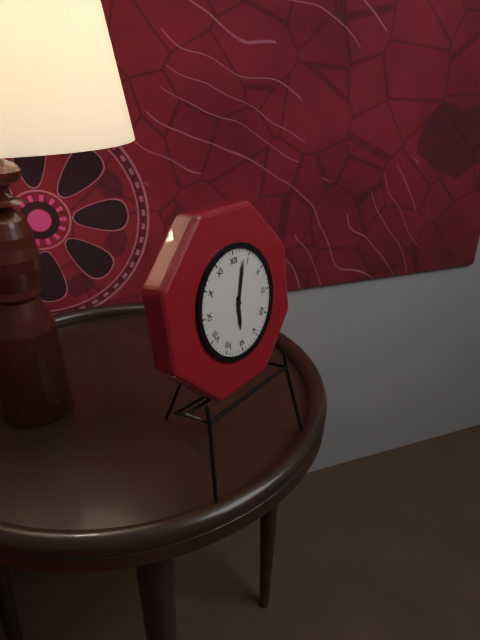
6:03
